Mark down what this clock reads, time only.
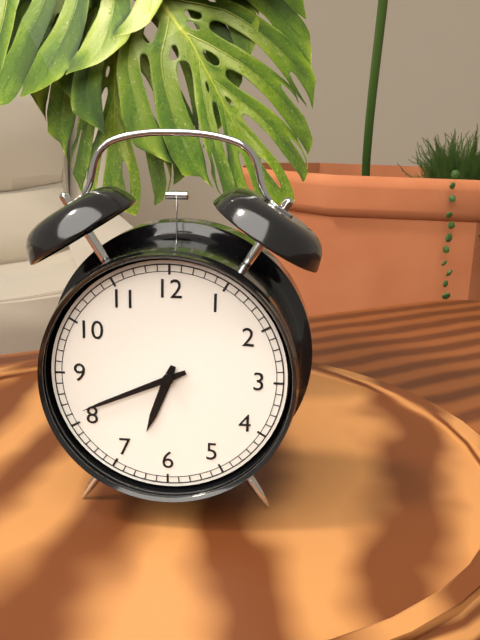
6:41
